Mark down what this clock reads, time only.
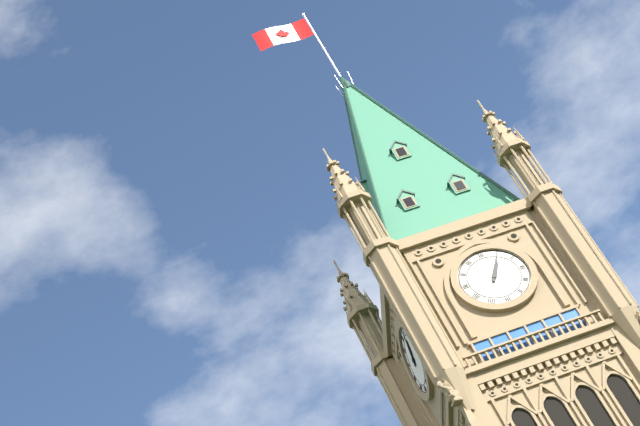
1:05
